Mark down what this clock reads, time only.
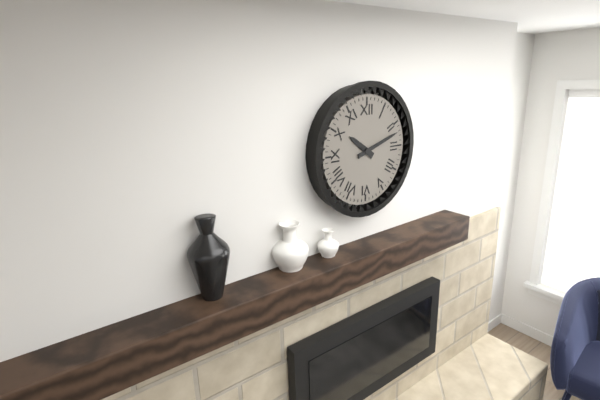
10:12
